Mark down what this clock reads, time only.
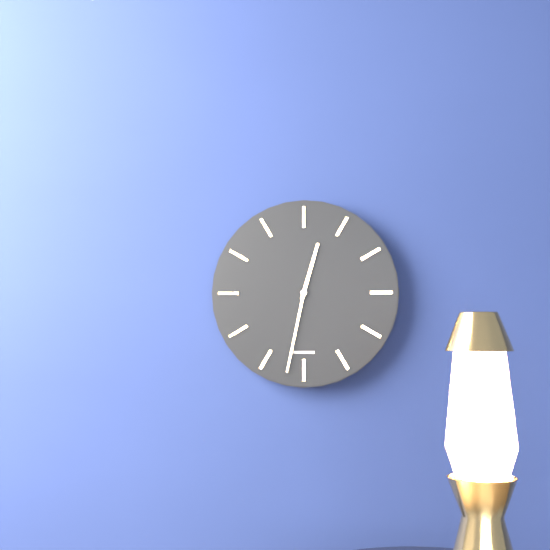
12:32
